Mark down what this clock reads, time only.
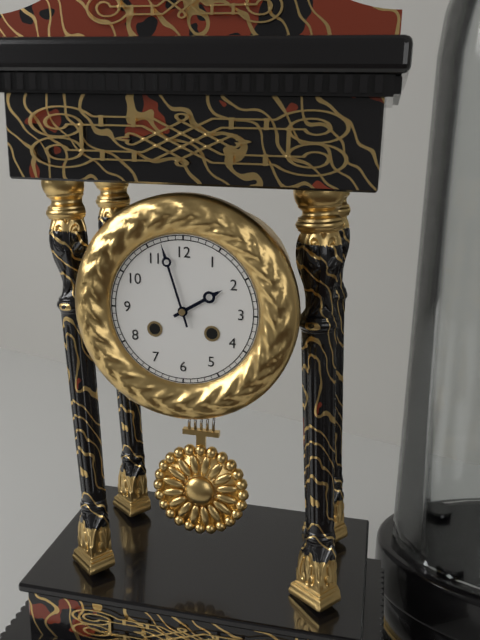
1:57
